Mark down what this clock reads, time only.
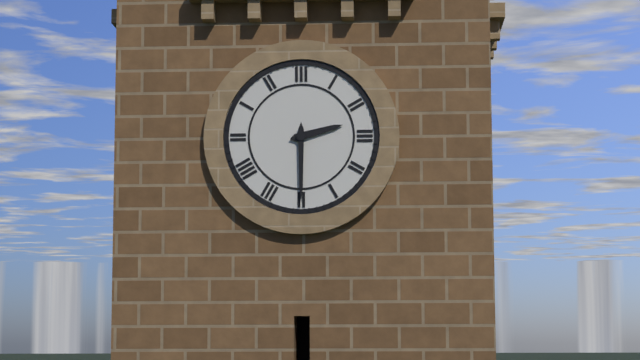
2:30
